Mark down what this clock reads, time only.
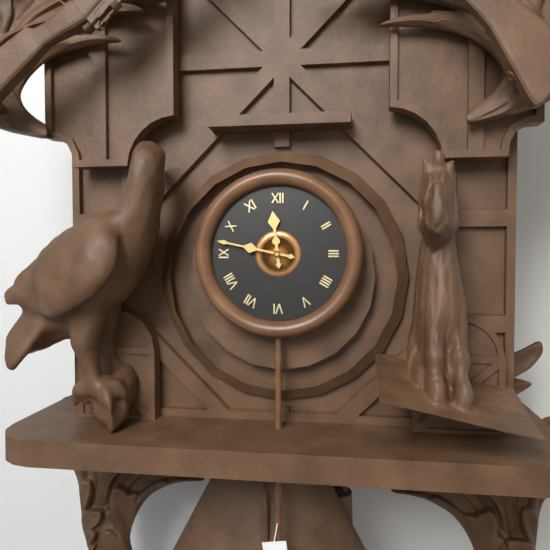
11:47
